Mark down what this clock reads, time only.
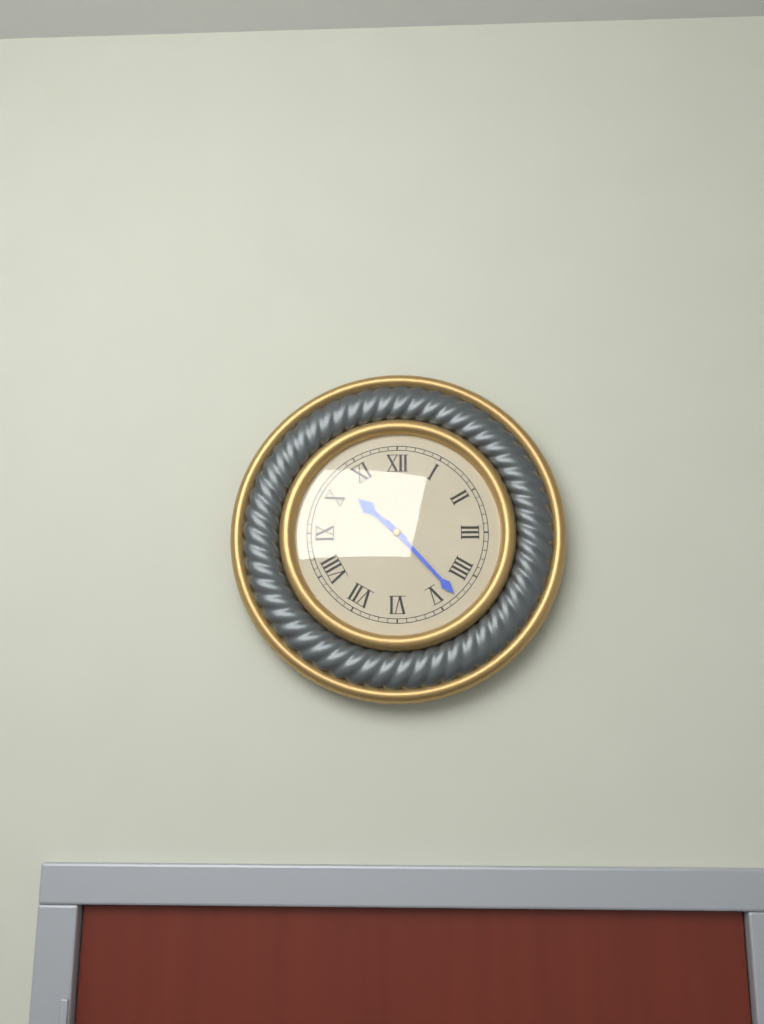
10:23
